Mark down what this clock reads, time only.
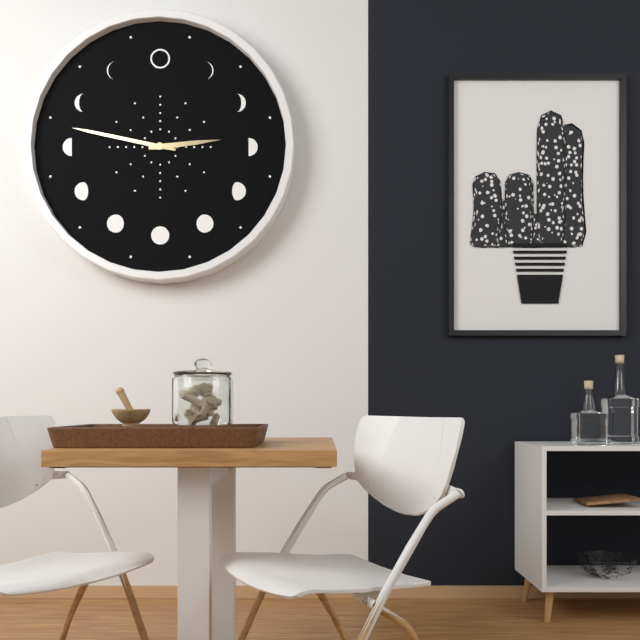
2:47
